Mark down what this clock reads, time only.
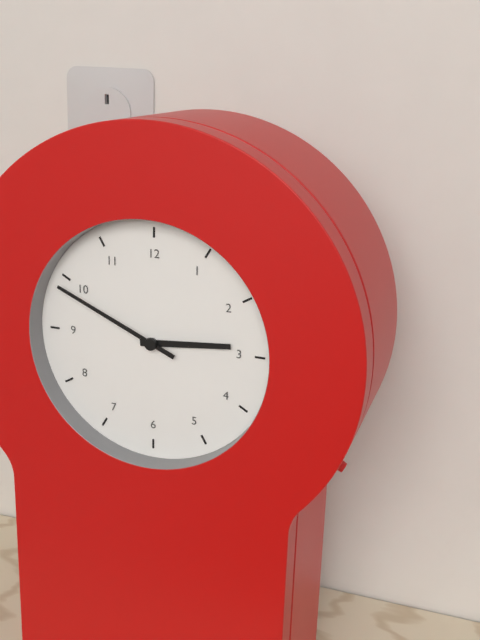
2:49
